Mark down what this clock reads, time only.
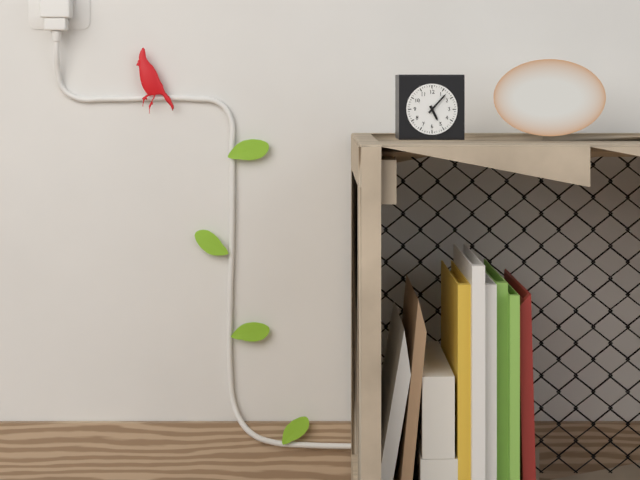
5:07
